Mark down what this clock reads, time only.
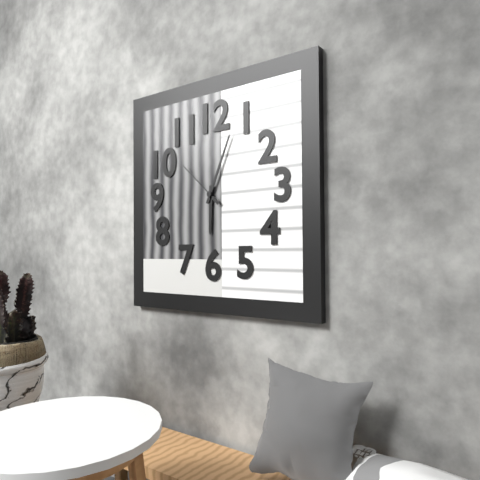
6:04:52
